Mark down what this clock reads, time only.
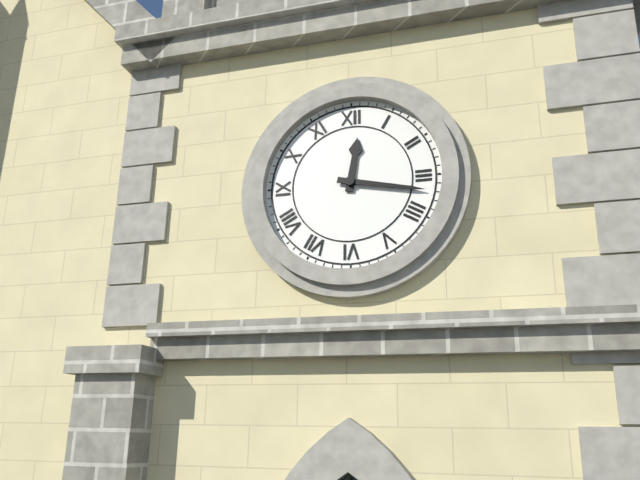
12:17
